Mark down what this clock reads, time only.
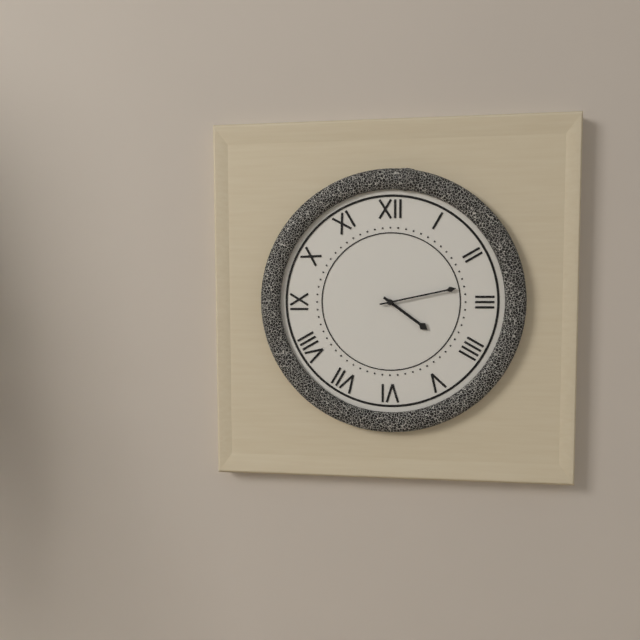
4:13
